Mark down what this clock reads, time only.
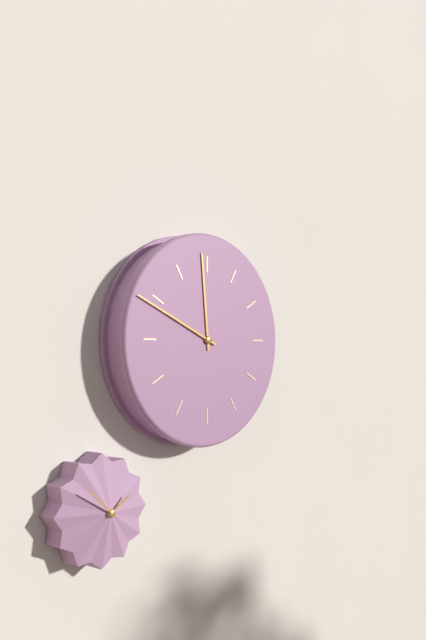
11:49
